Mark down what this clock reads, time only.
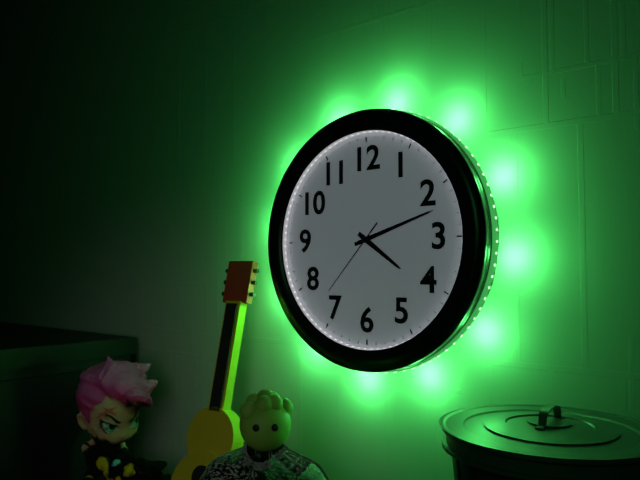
4:12:37
